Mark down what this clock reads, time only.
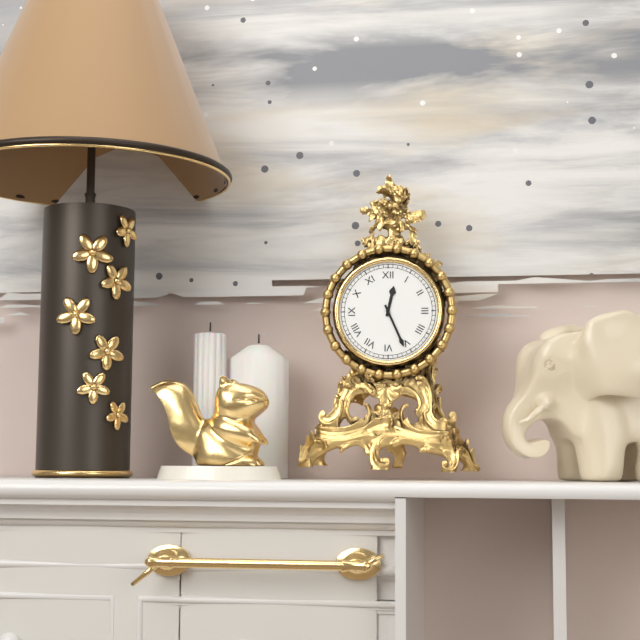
12:26
